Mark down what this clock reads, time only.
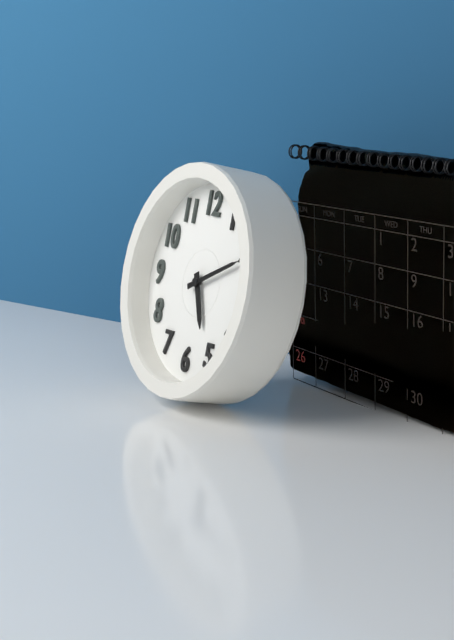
5:11
